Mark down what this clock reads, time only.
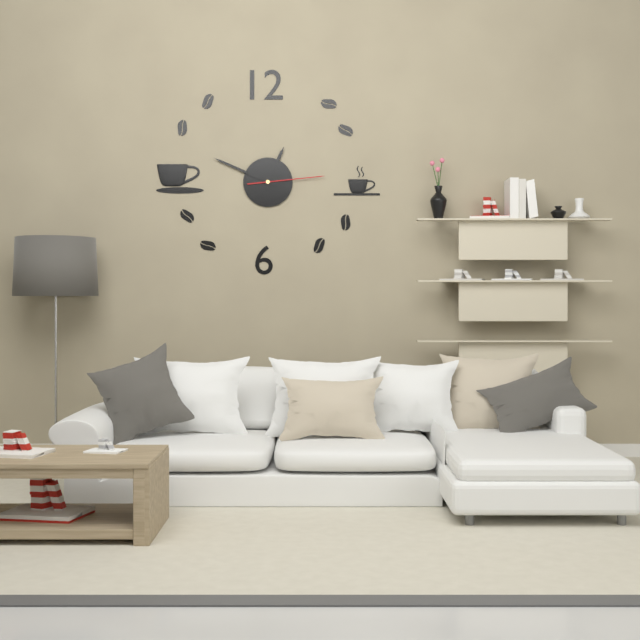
12:49:14
